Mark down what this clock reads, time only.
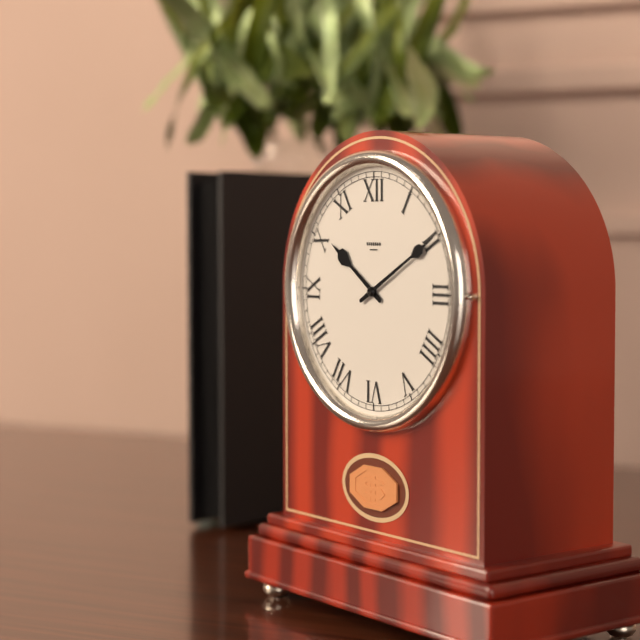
10:10
